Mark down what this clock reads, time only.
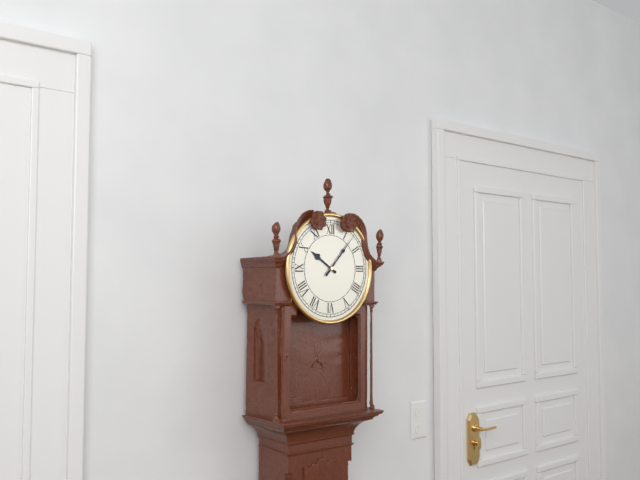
10:07
